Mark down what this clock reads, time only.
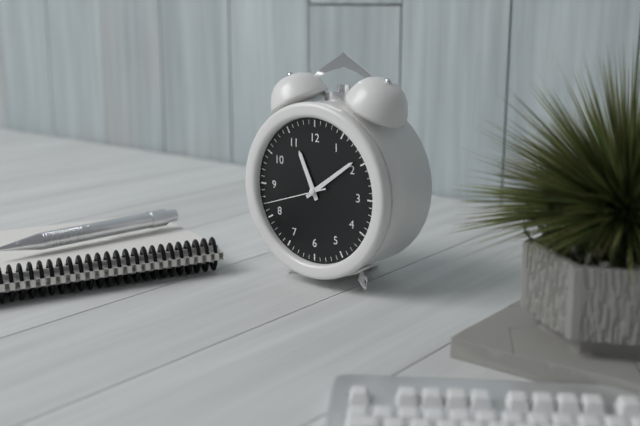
11:09:42
